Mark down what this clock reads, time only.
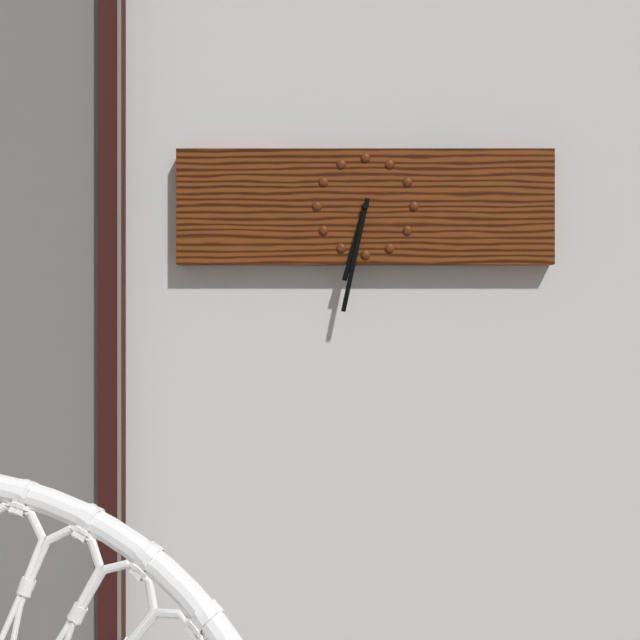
6:32
